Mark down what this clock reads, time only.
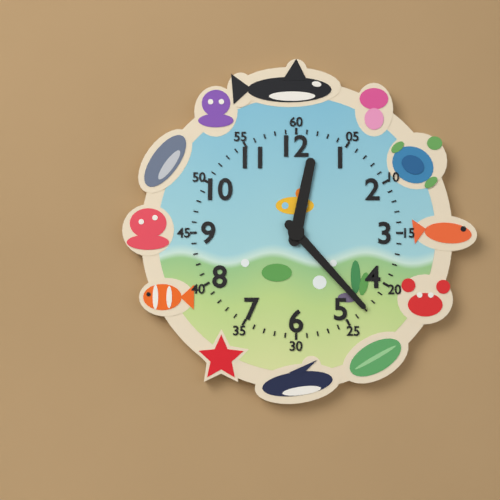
12:23
